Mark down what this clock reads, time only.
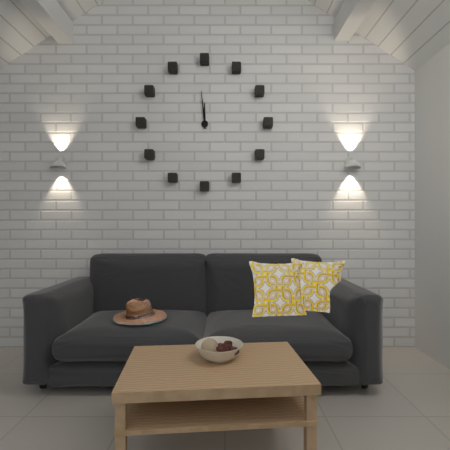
11:59
